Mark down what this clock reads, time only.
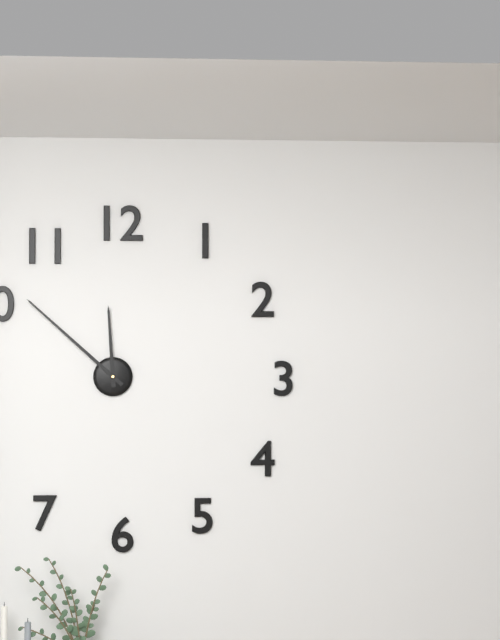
11:52
